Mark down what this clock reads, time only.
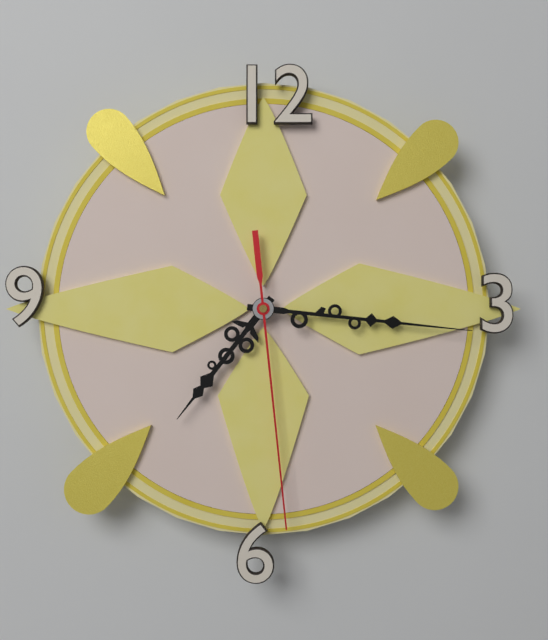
7:16:29
